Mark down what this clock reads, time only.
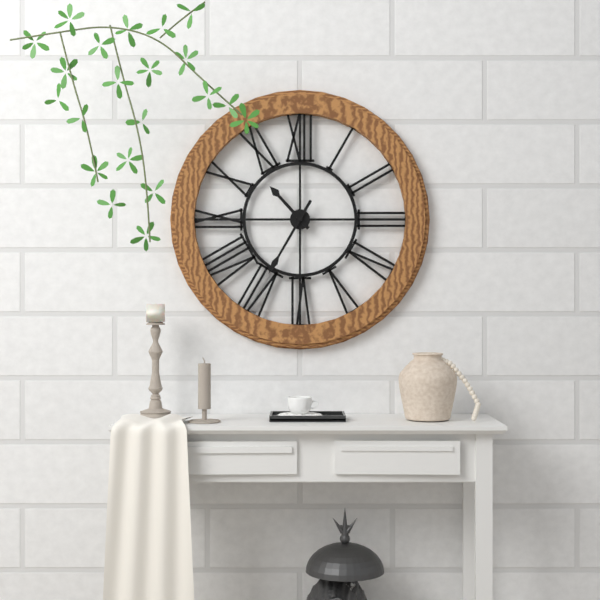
10:35
